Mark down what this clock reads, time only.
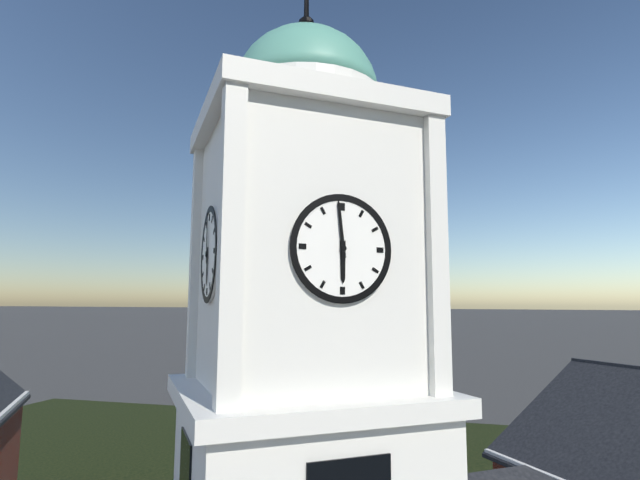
5:59
